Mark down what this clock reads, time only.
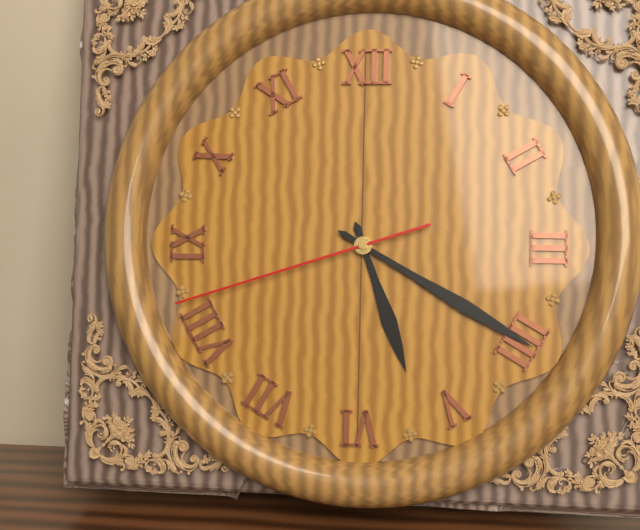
5:20:42
